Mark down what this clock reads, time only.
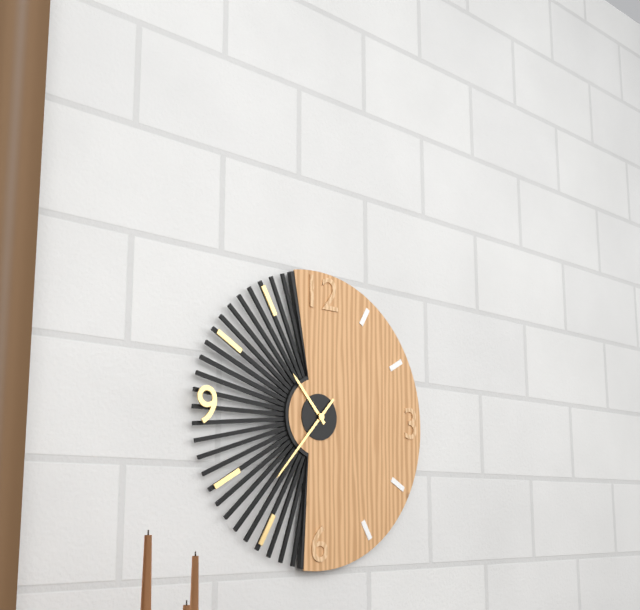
10:37
